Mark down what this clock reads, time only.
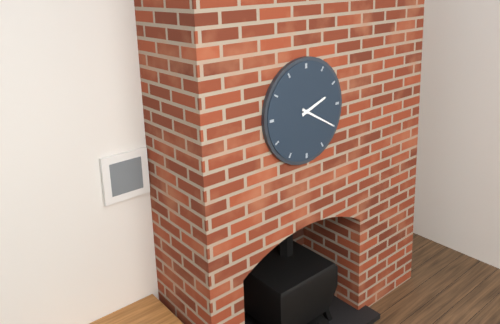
2:20
